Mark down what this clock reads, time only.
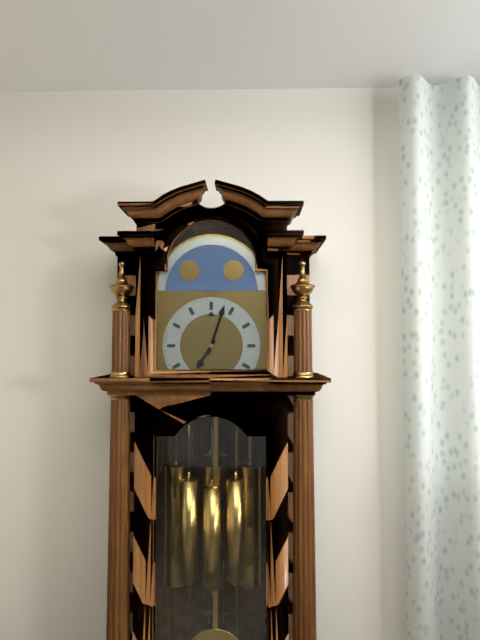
7:03
